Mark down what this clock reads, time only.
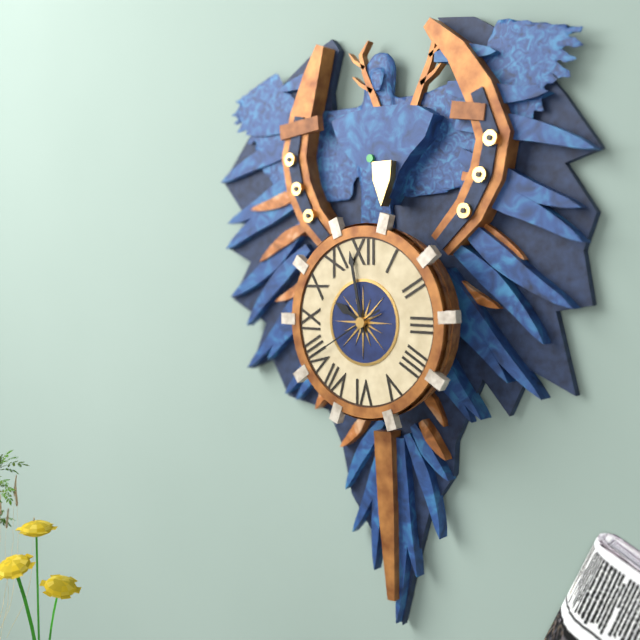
9:58:40
